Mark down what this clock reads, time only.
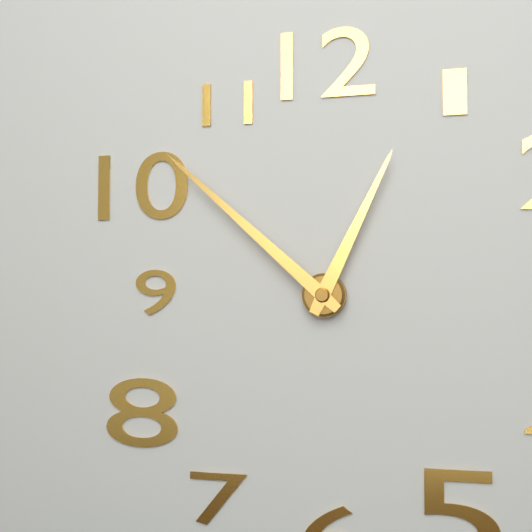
12:52
